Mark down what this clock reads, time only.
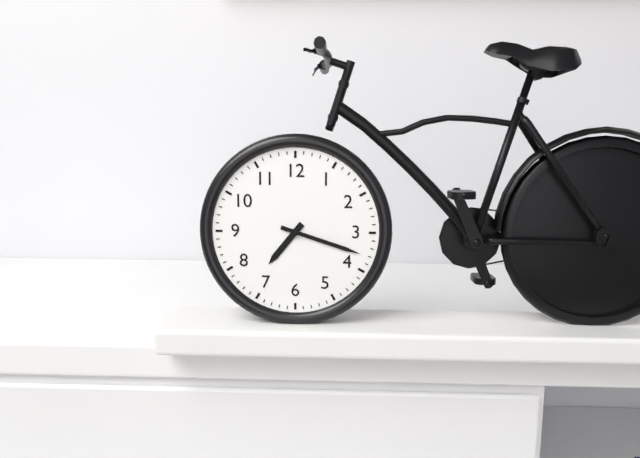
7:18
